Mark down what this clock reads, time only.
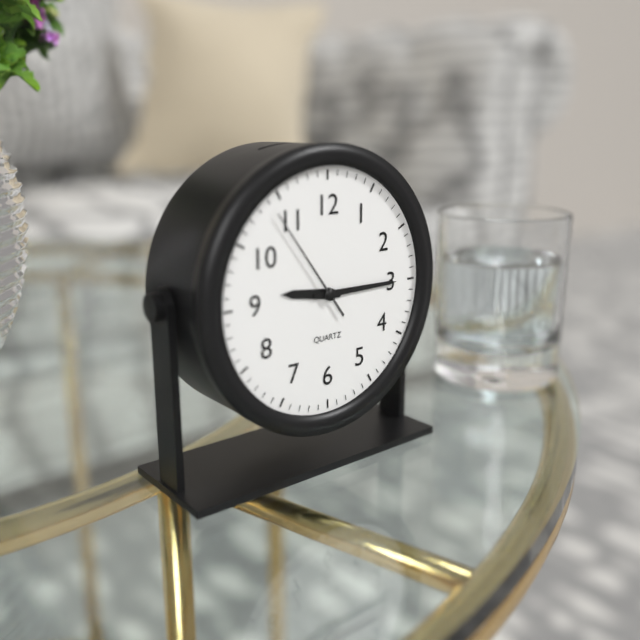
9:15:54
